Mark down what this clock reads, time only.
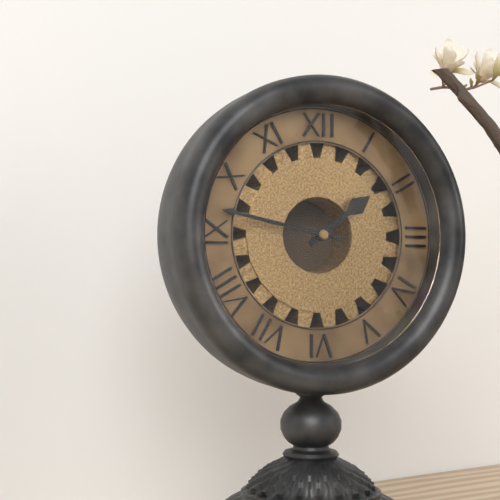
1:47
